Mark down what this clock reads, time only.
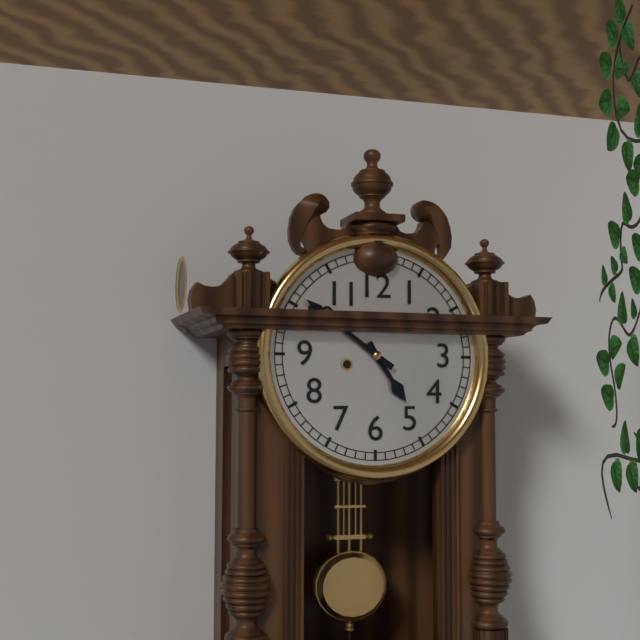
4:51
